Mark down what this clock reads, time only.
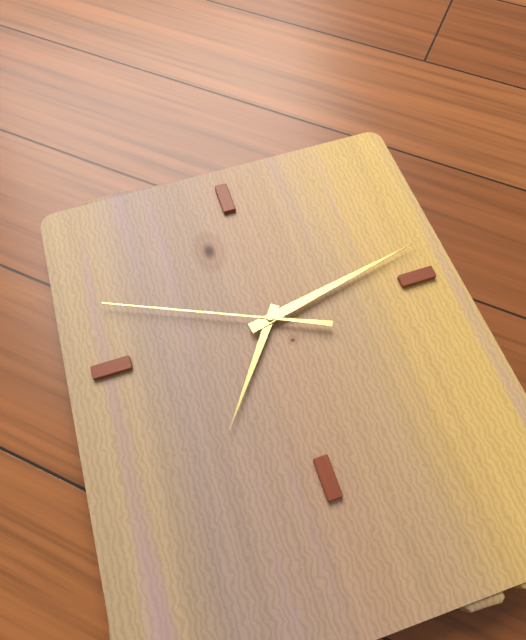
7:13:49
